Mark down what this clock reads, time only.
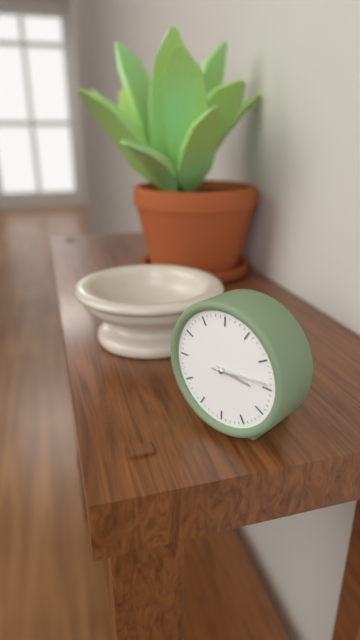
3:14:14
